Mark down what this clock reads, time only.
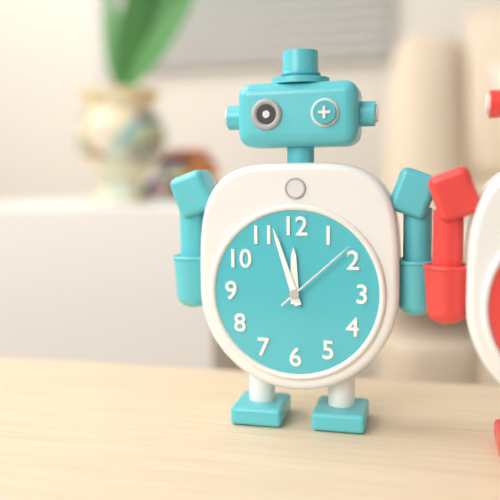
11:57:08
